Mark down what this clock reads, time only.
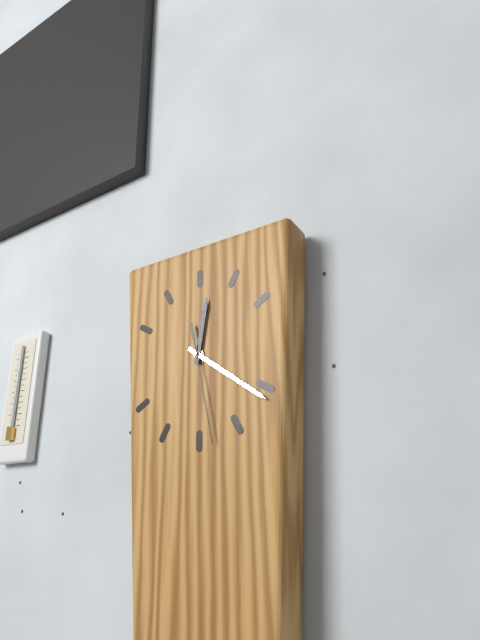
12:21:28
